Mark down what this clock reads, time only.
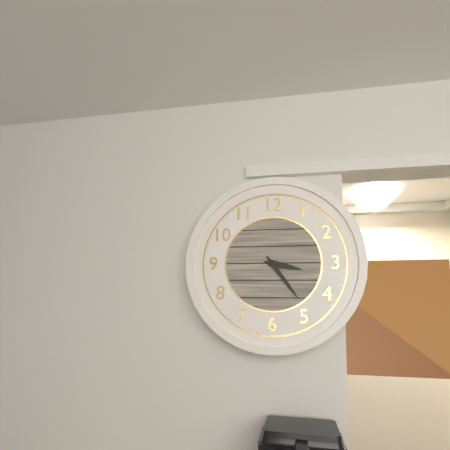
3:24
